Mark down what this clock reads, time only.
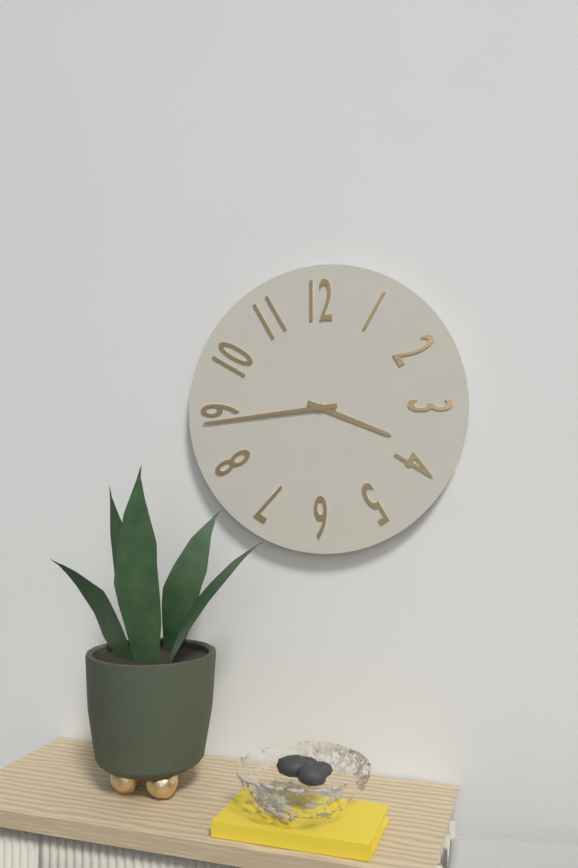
3:44
